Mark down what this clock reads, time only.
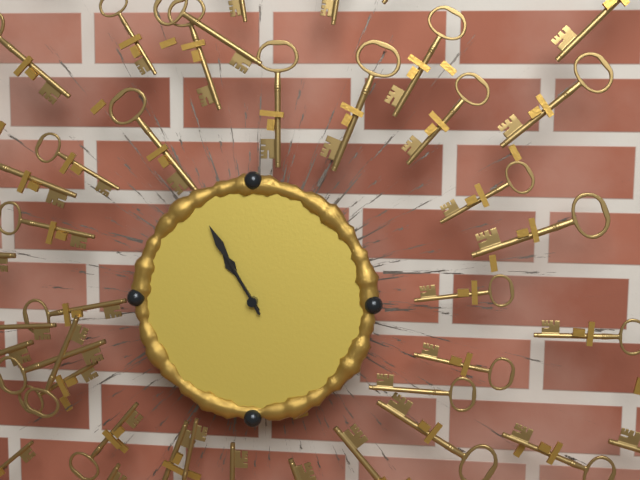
10:55
